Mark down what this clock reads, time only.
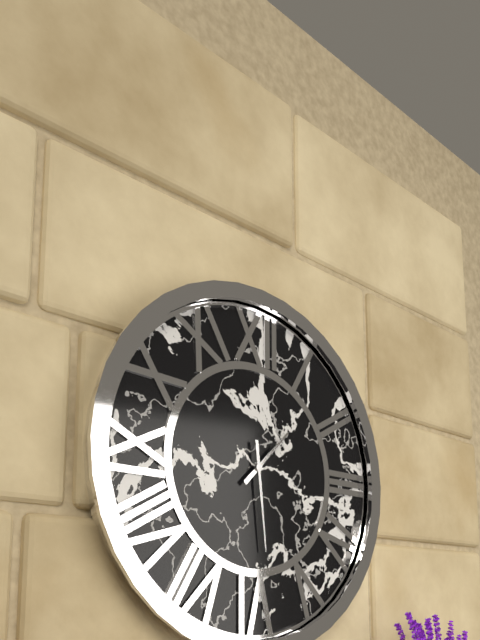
1:29
